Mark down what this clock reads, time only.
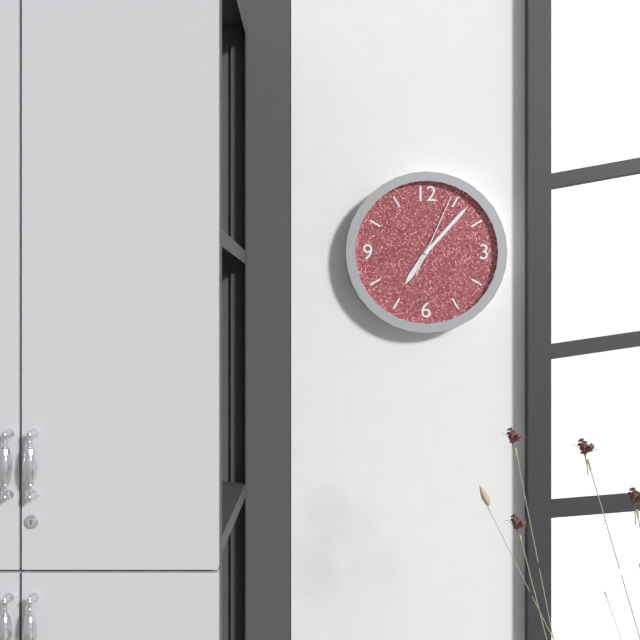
7:07:04
